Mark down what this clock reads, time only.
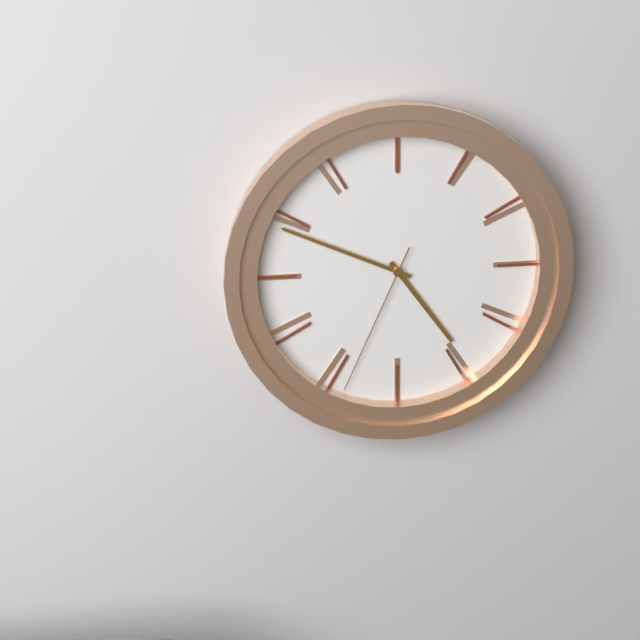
4:49:34
